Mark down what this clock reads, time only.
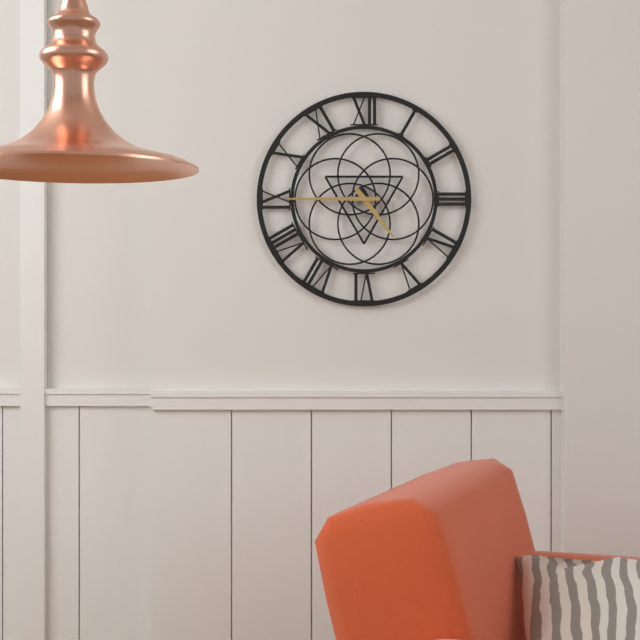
4:45
